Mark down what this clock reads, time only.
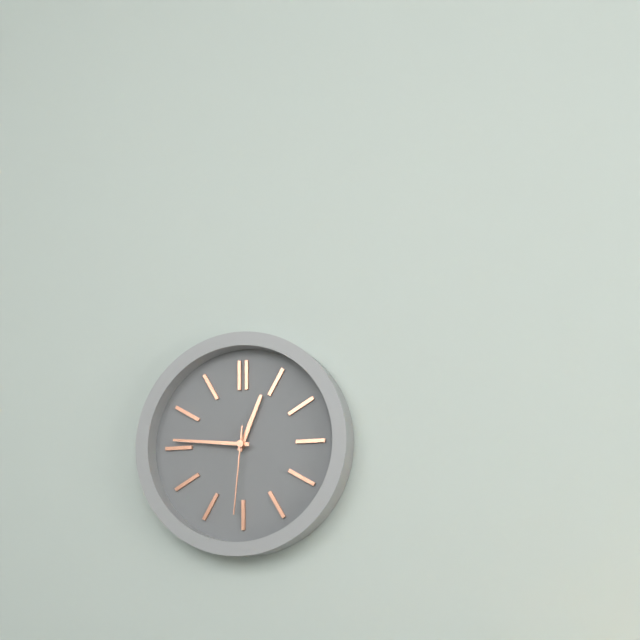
12:46:31
